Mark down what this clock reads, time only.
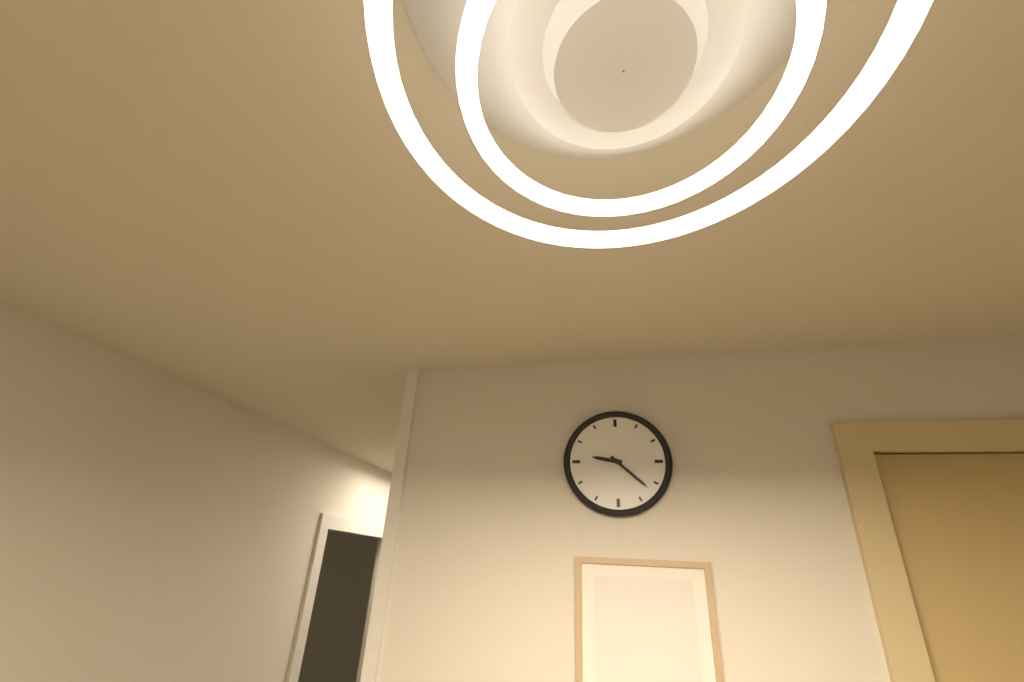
9:22
